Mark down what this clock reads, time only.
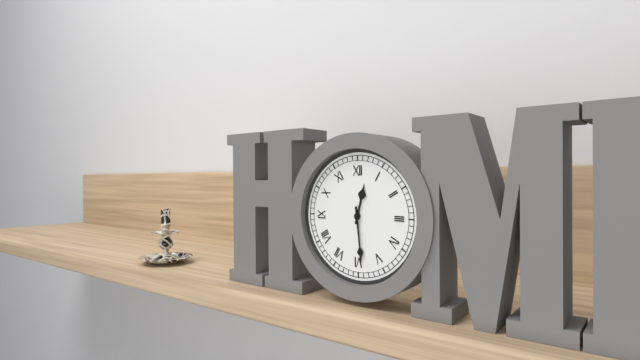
12:29
